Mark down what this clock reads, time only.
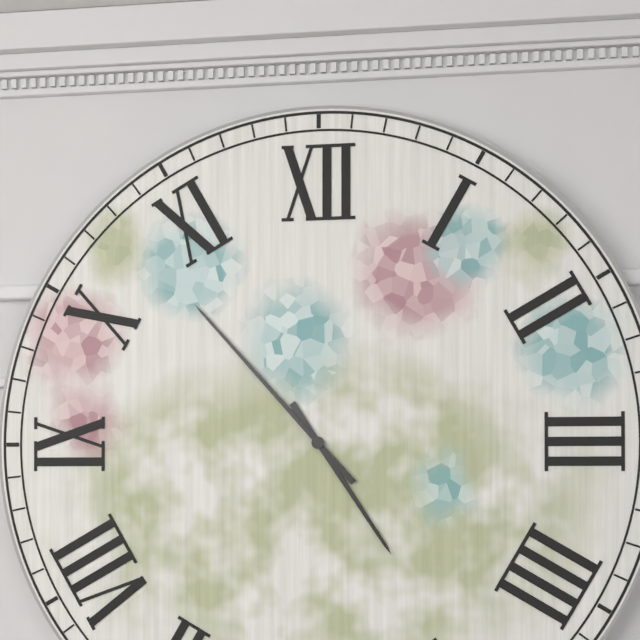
4:53
